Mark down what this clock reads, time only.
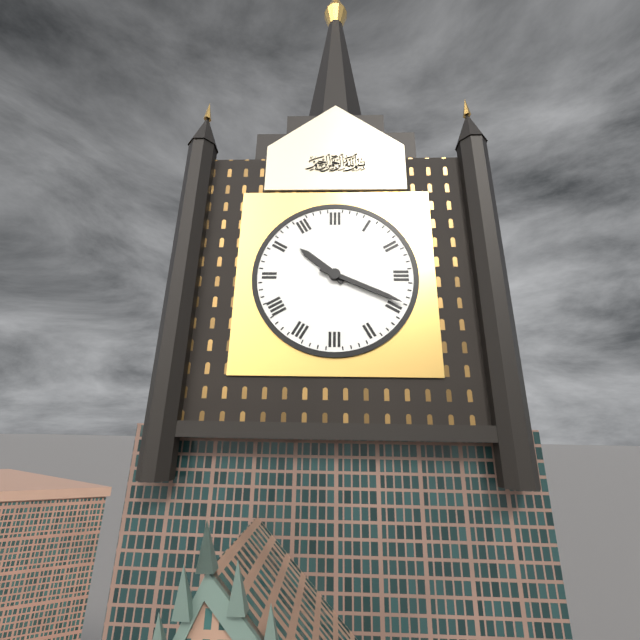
10:19
